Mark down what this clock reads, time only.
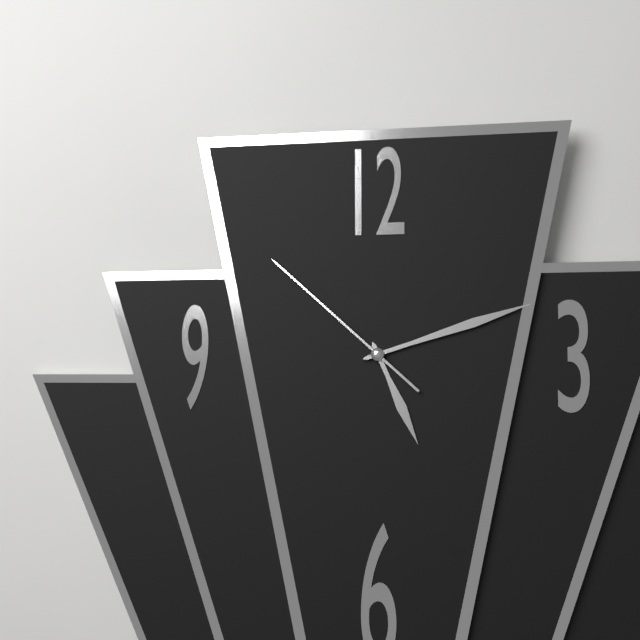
5:12:52
